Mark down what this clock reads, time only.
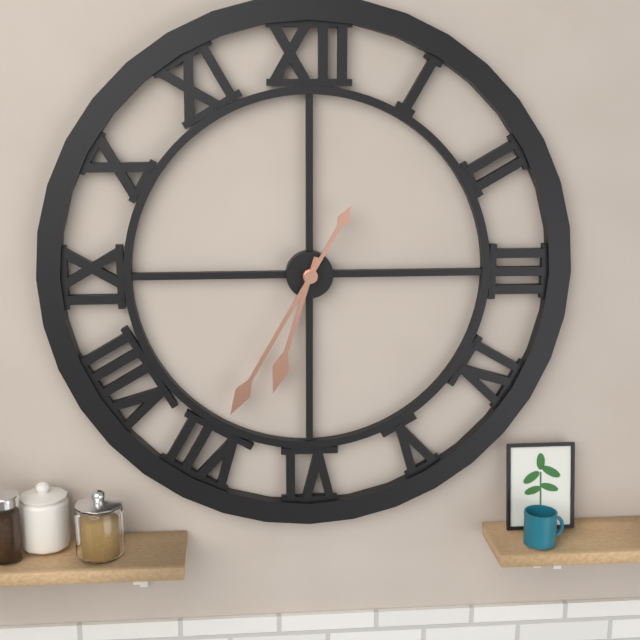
6:35
